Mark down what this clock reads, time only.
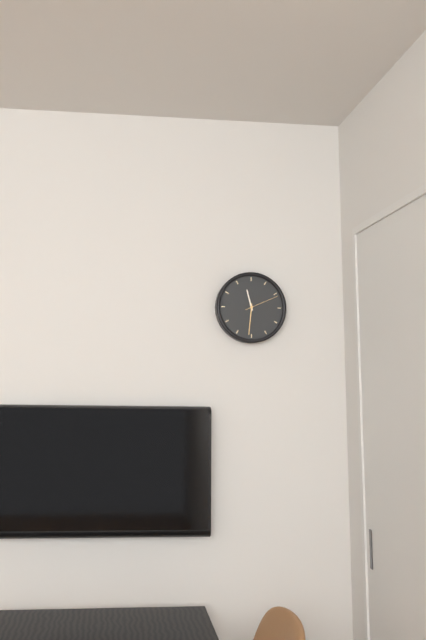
11:31
